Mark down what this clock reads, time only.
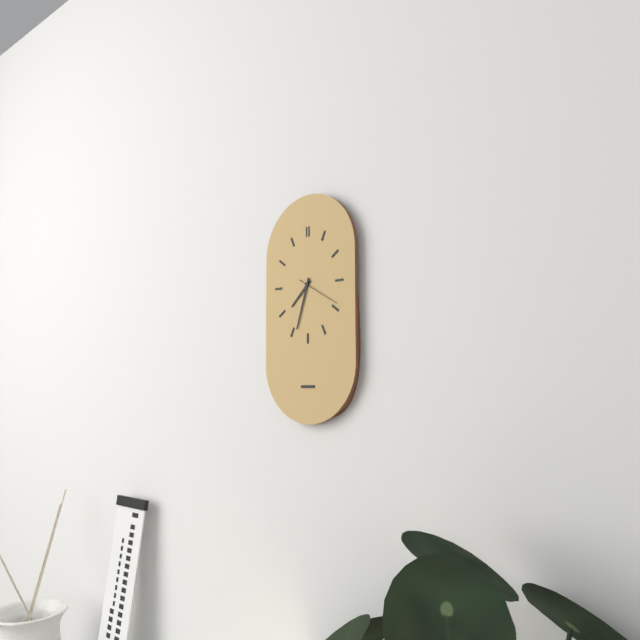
7:33
